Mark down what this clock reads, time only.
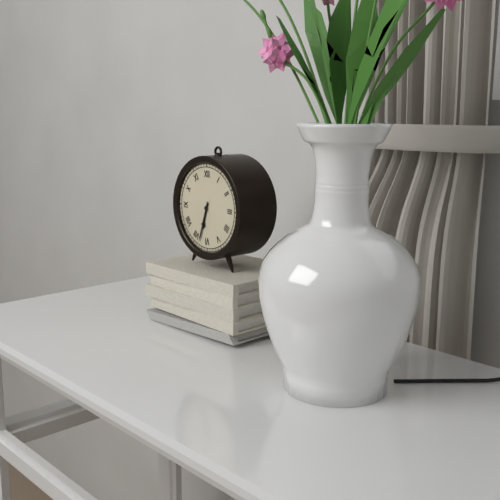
6:33
